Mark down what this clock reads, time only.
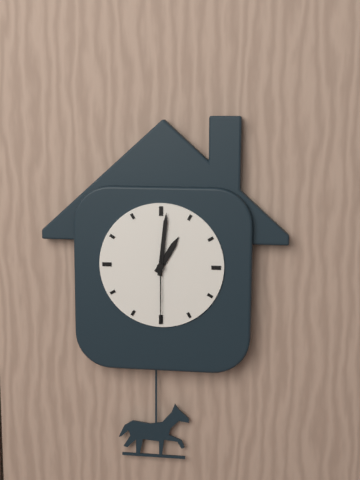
1:01:30
